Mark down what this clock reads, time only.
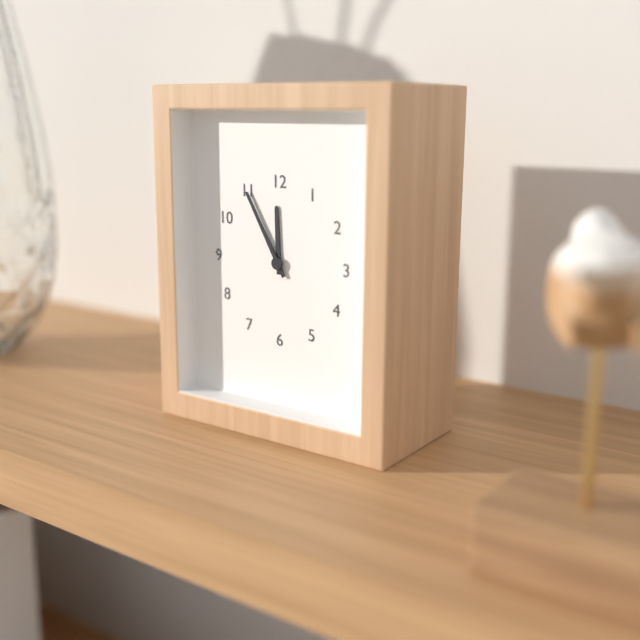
11:55
